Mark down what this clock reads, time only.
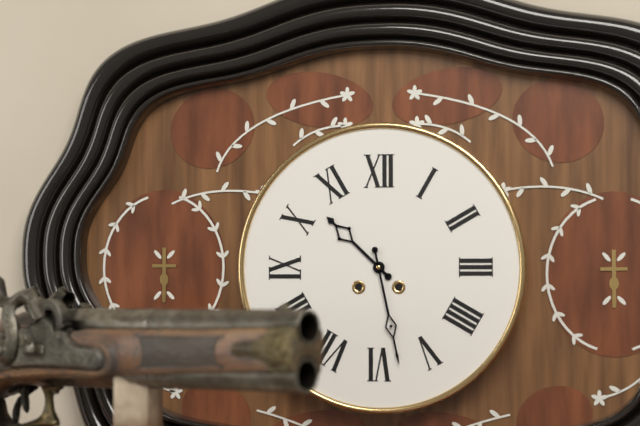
10:28
